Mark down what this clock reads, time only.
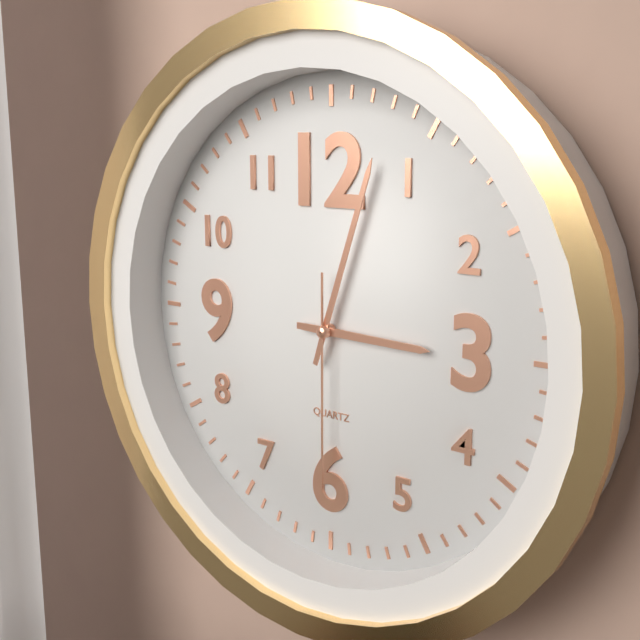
3:03:30
